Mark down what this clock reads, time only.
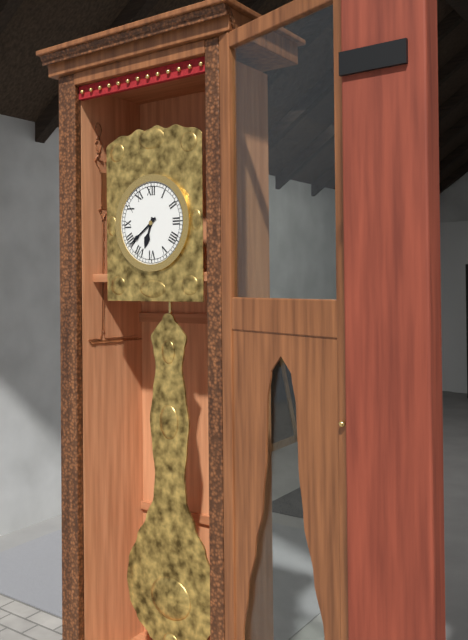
6:39
